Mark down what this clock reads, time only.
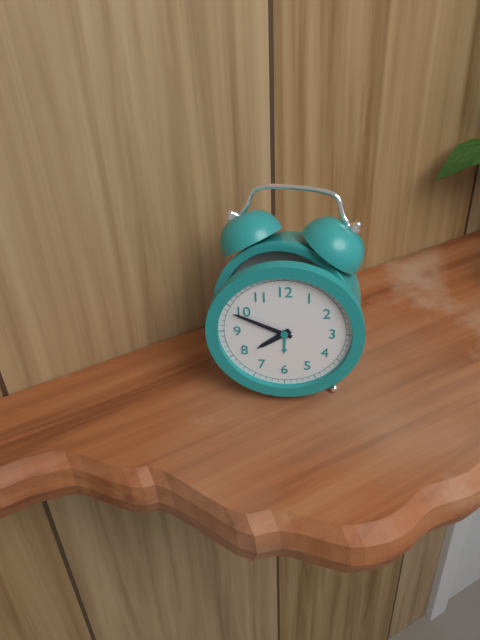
7:49
